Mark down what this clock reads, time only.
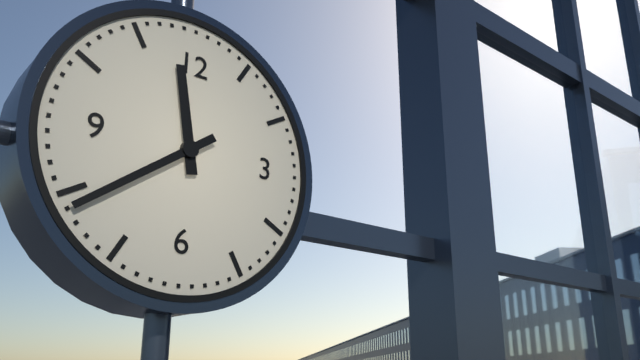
11:39
